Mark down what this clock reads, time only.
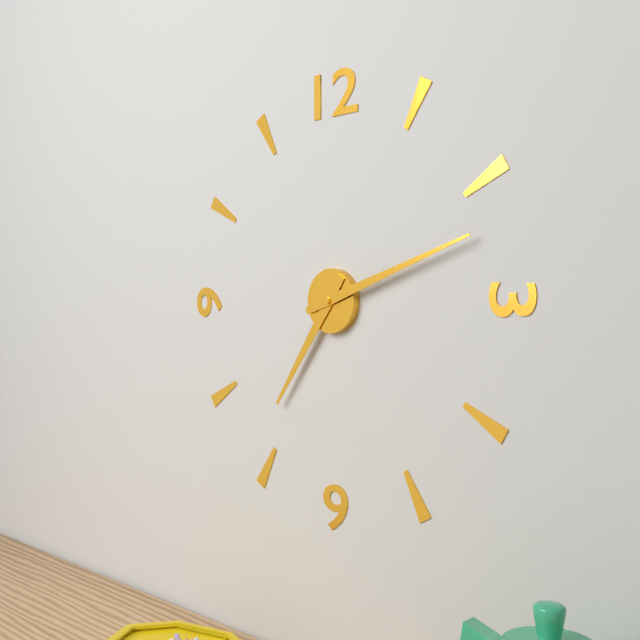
7:12
